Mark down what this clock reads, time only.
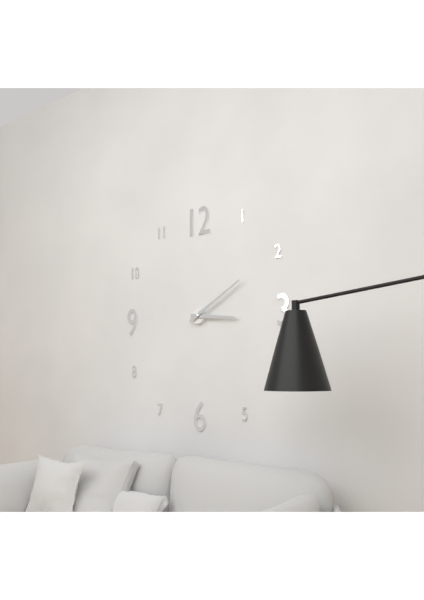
3:10
